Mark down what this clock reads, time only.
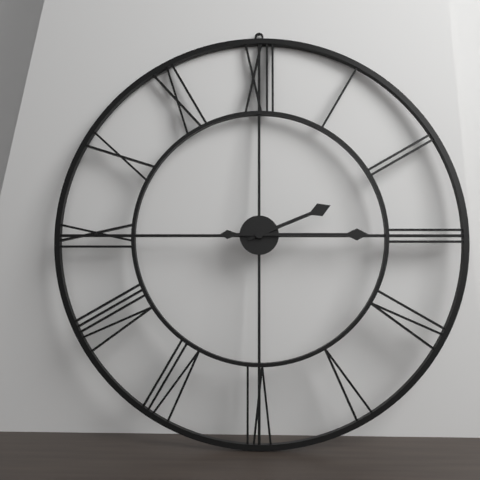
2:15
